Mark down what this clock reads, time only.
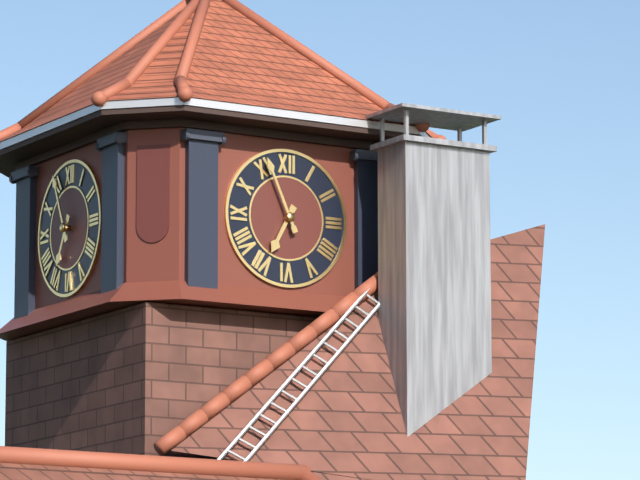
6:56
